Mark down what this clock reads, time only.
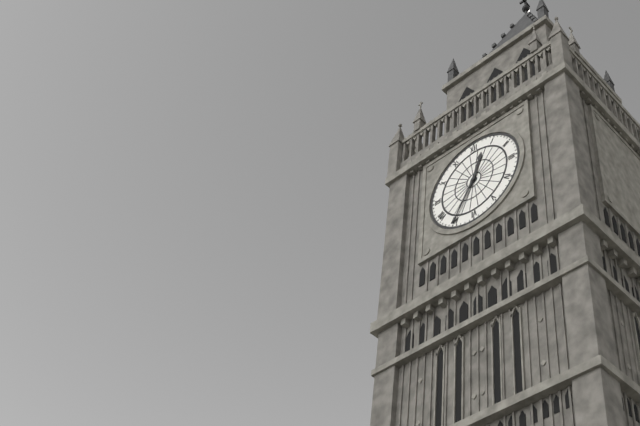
12:35
